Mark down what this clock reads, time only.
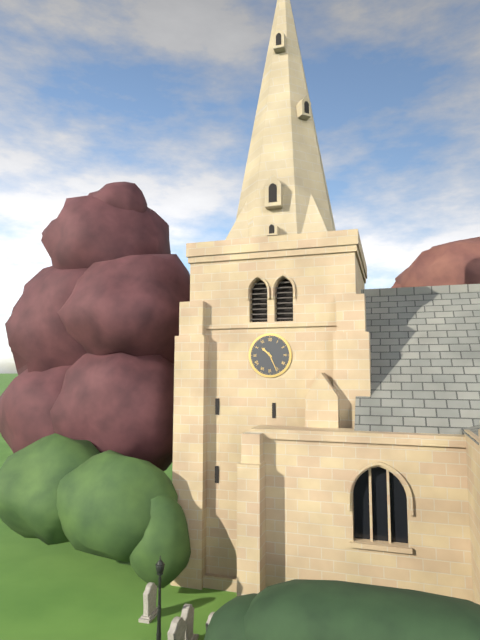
10:26
